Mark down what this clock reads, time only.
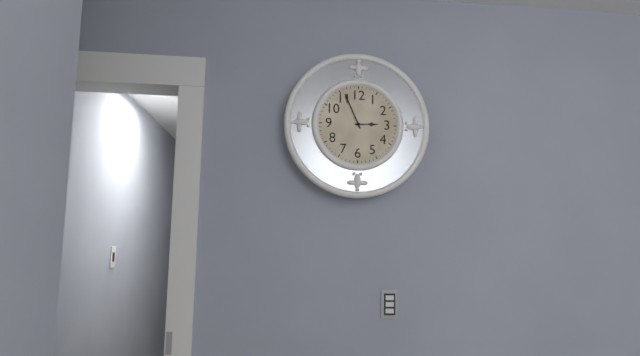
2:56
